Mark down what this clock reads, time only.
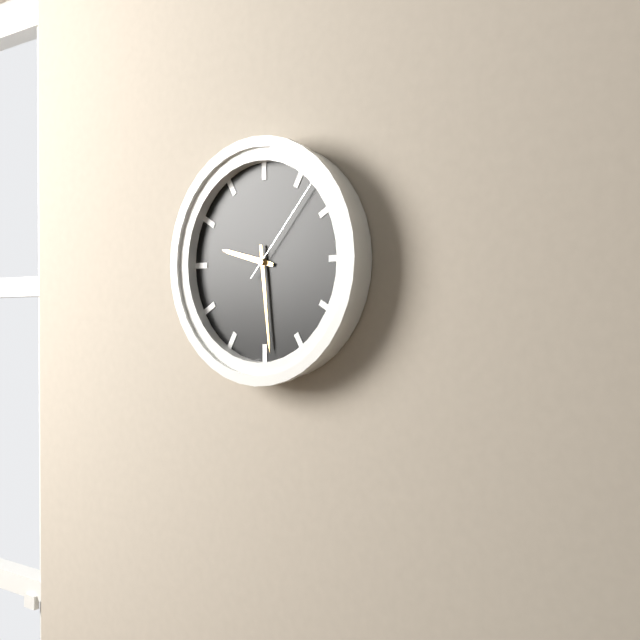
9:29:07
